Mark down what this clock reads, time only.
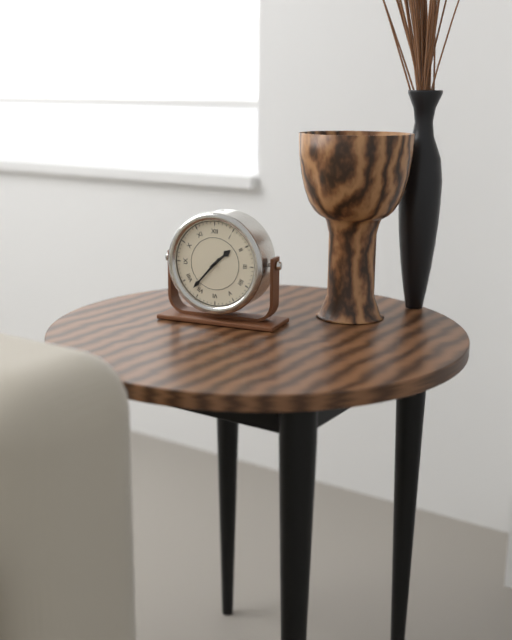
1:37
